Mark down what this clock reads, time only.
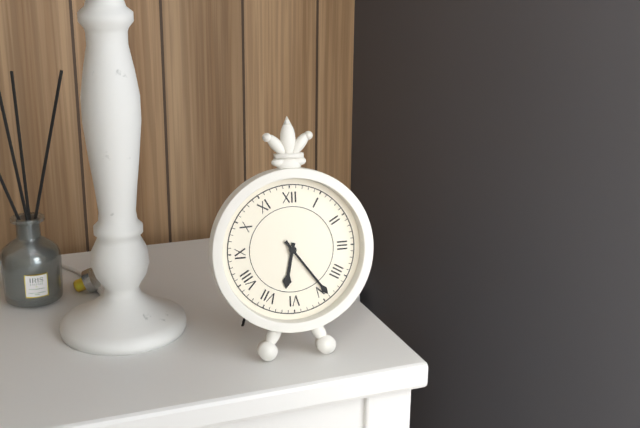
6:24
